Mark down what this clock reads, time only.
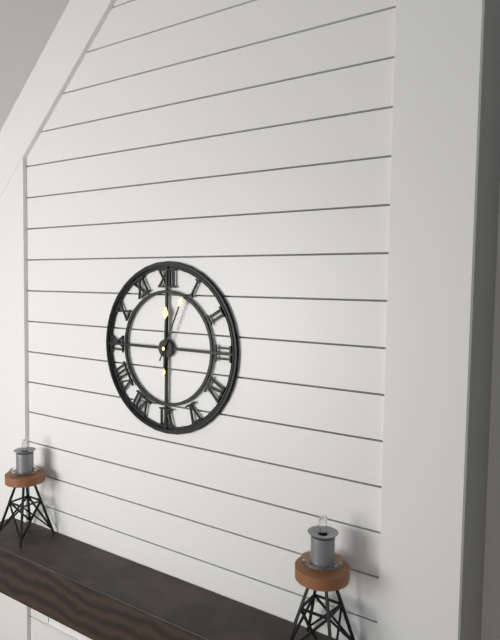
12:04
